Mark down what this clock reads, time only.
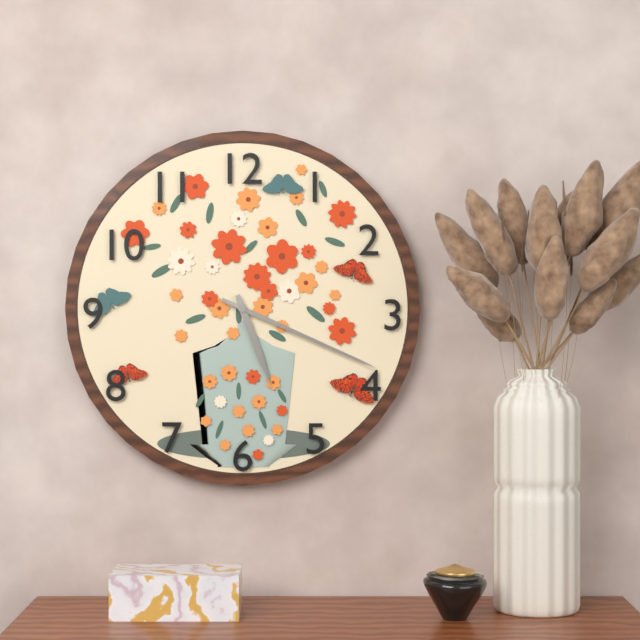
5:19
